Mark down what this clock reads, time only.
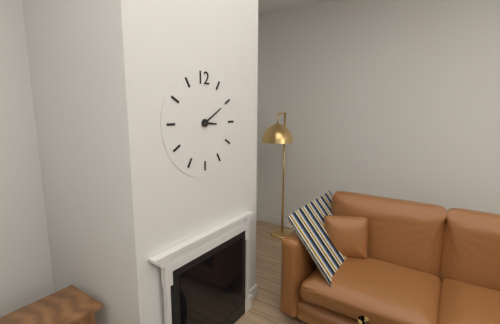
3:10
